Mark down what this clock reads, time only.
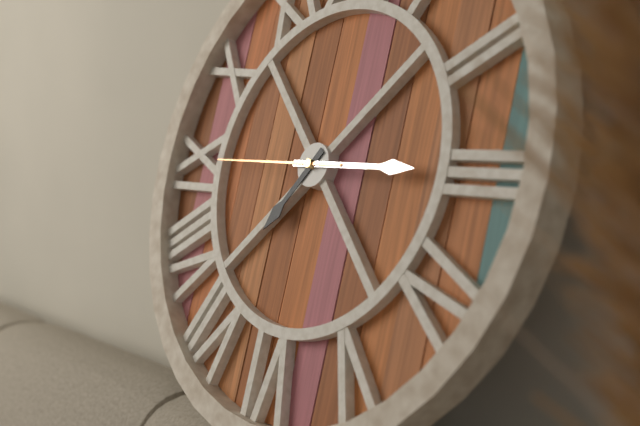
7:15:45
